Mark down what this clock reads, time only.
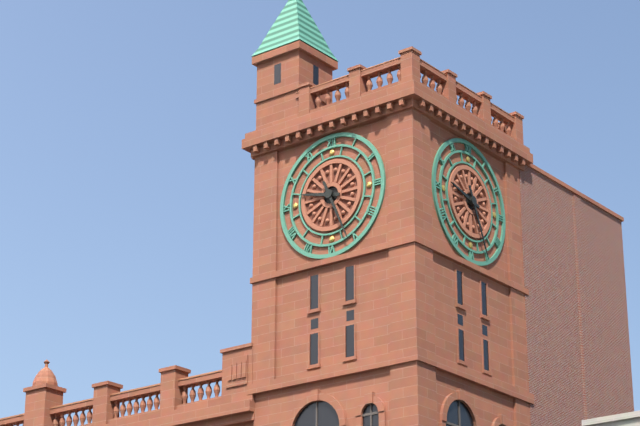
9:26
